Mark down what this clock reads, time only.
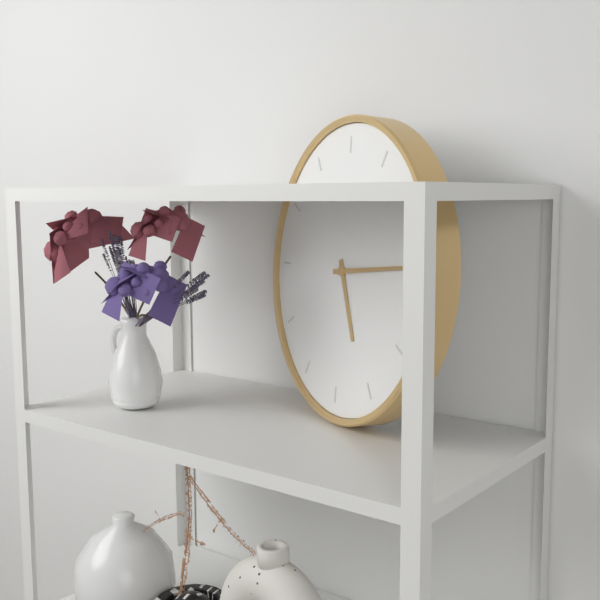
5:14
